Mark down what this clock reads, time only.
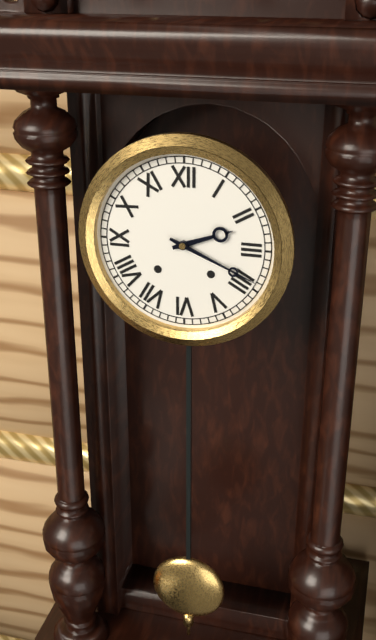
2:19
